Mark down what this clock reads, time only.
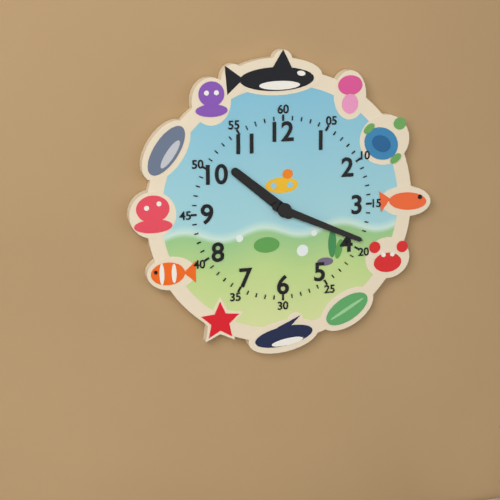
10:19
